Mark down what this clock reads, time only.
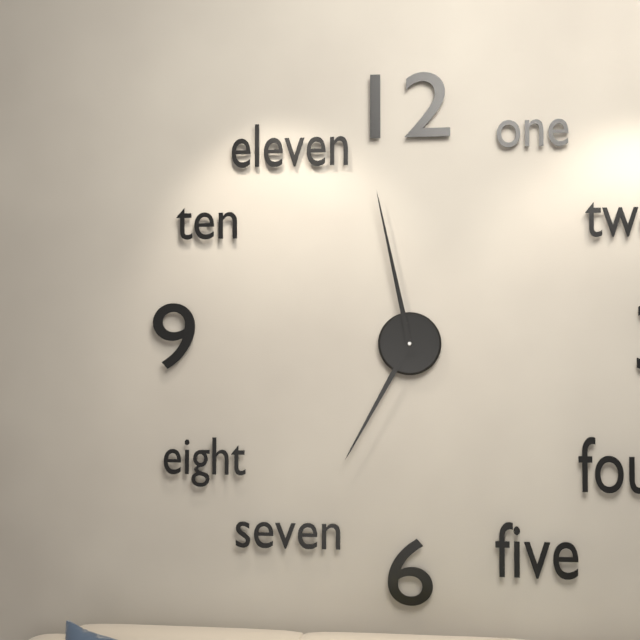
6:58
